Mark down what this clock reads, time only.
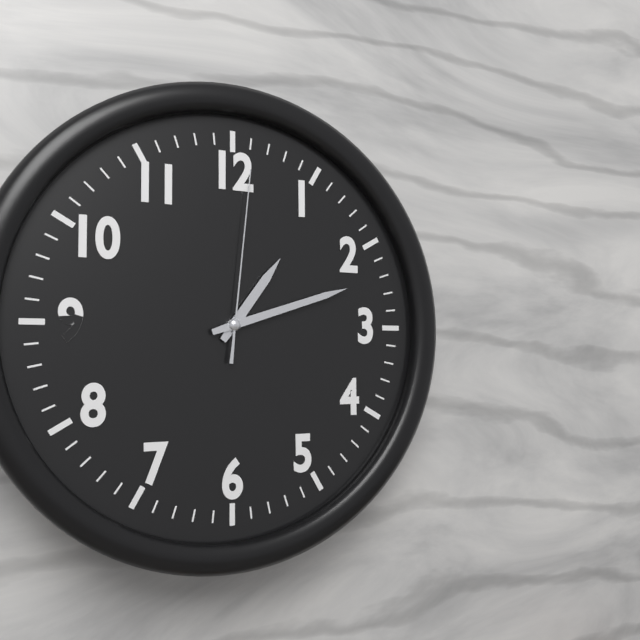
1:12:01
